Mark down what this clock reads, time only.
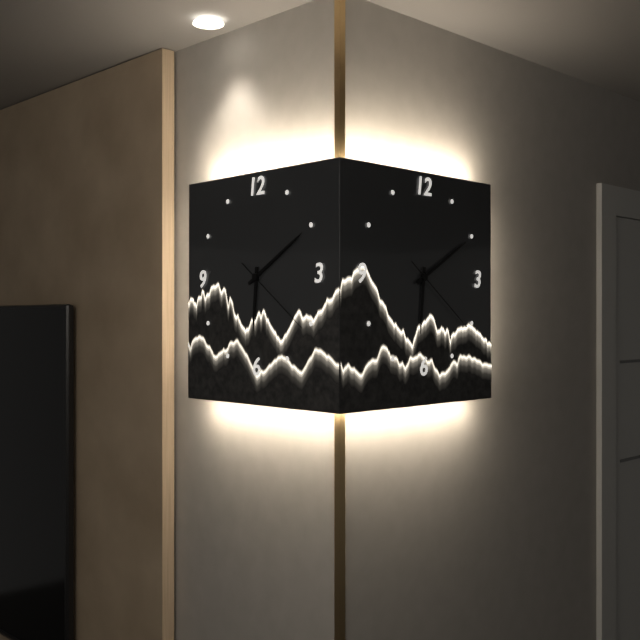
6:10:21
